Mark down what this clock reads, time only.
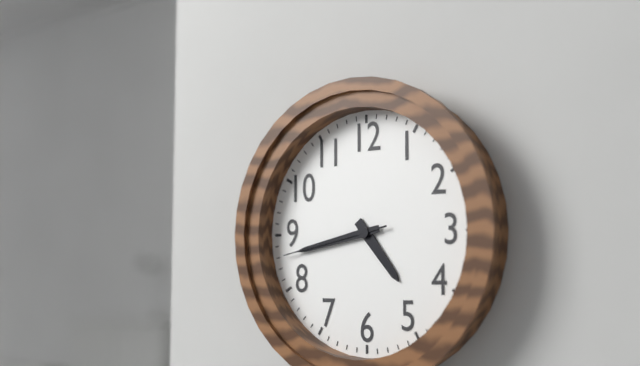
4:43:43
